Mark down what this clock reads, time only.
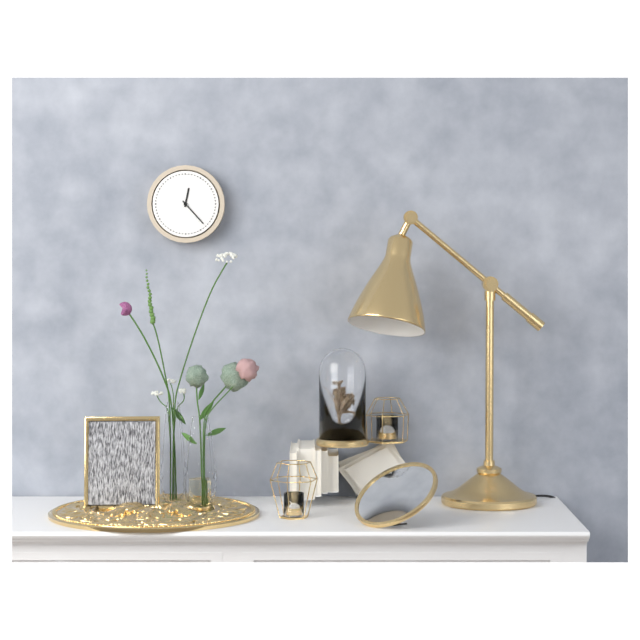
12:23
